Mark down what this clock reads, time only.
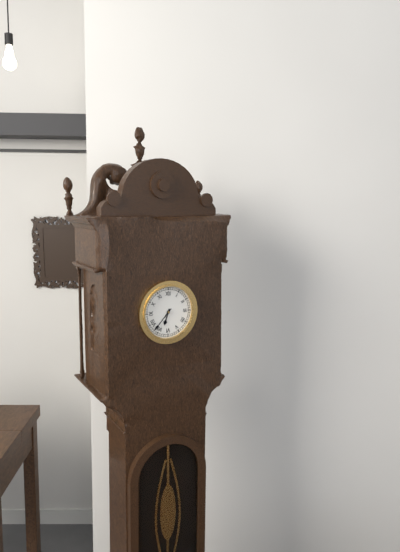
6:37
